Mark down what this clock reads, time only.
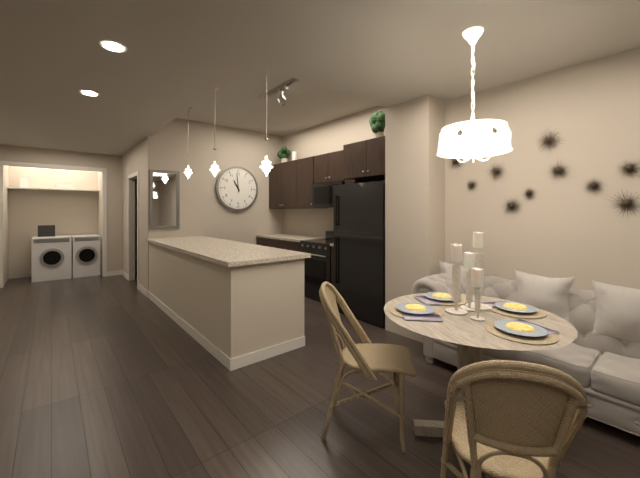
10:59
